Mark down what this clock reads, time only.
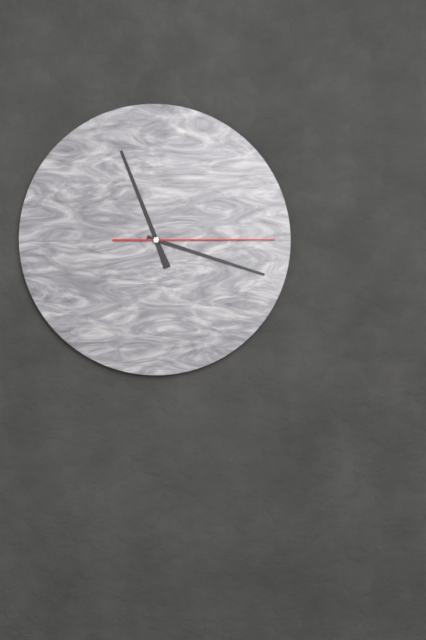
11:18:15
